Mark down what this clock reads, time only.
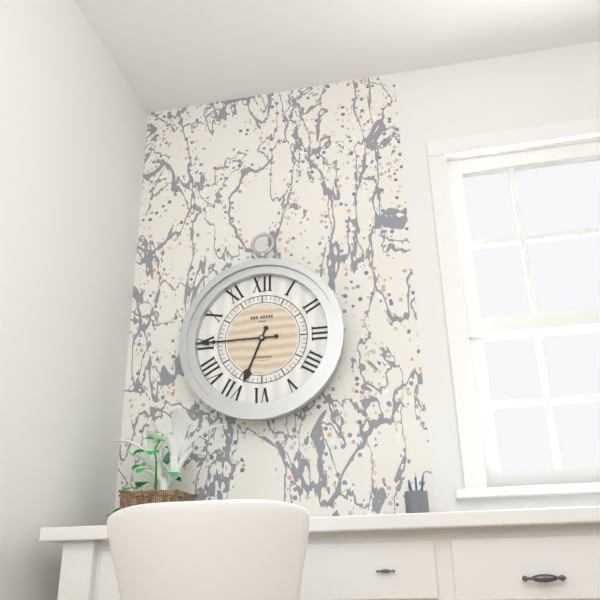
6:45
